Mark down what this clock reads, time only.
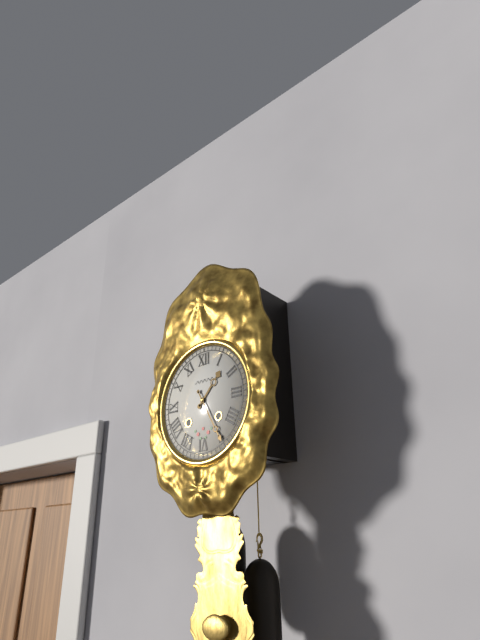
1:25
